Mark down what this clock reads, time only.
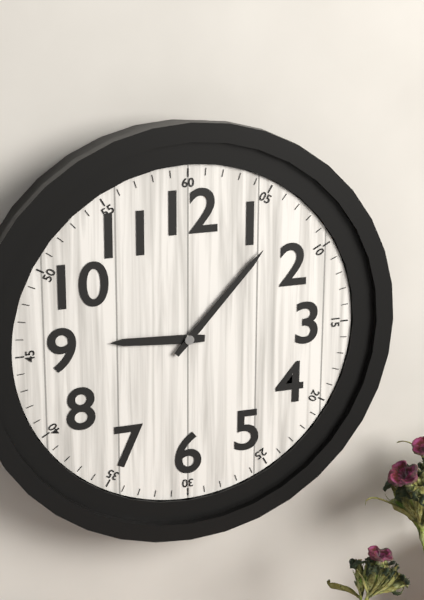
9:07
